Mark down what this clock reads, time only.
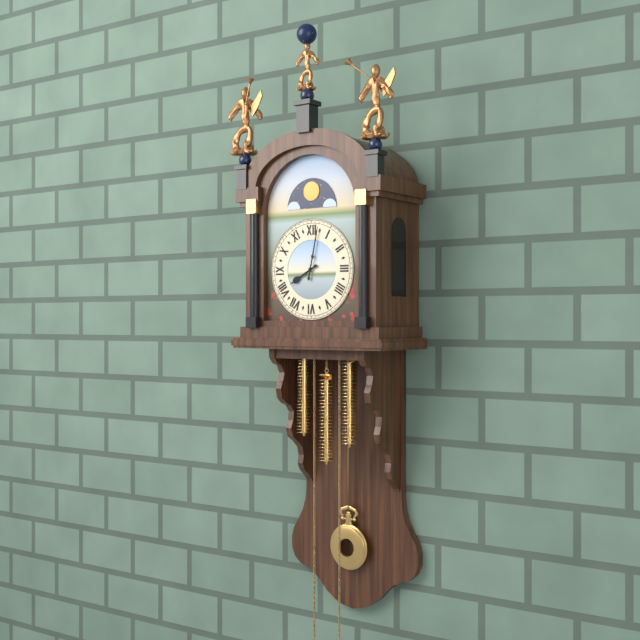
8:02
